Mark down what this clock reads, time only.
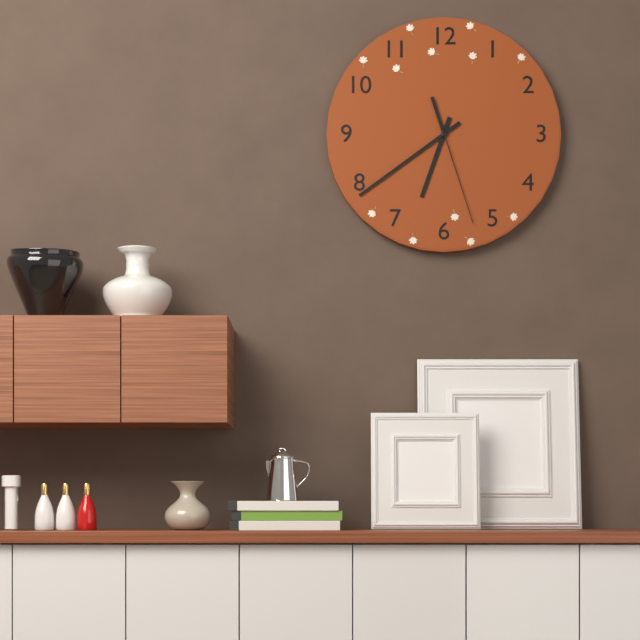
6:39:27
